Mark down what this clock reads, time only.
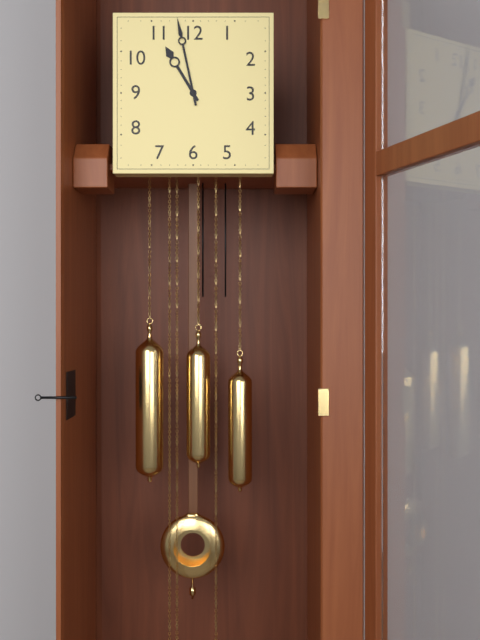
10:58
